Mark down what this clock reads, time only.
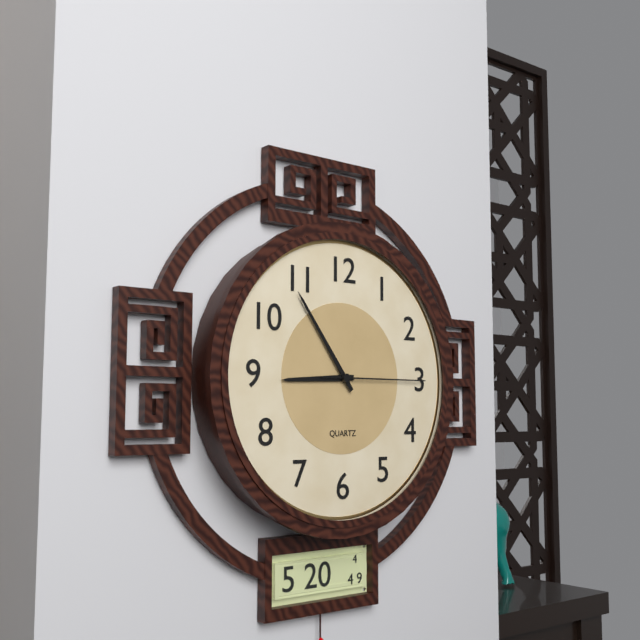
8:54:15
